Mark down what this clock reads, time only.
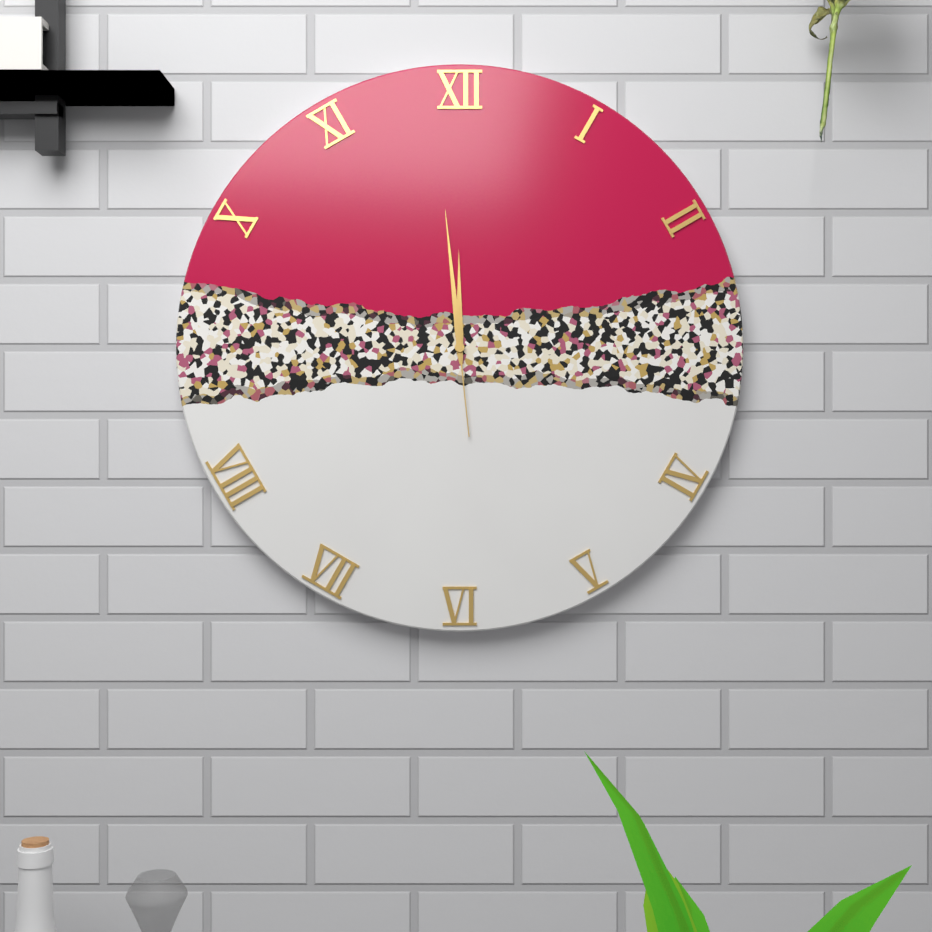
11:59:29
